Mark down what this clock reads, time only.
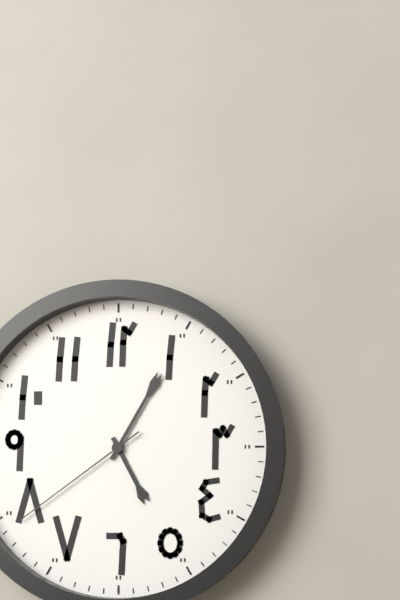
5:05:39
